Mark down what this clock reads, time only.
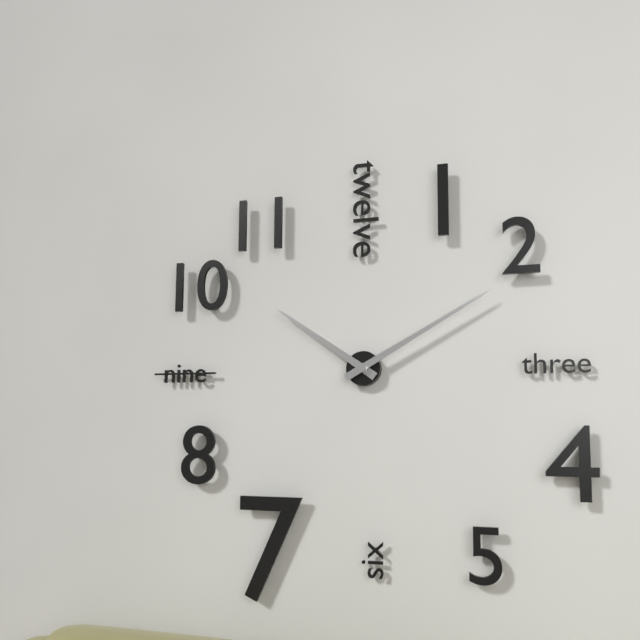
10:10
